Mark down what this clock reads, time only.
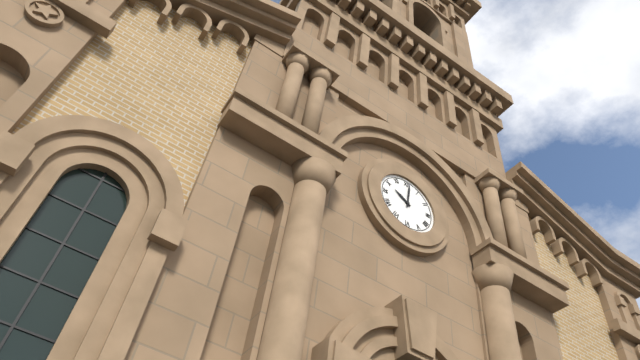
10:01
